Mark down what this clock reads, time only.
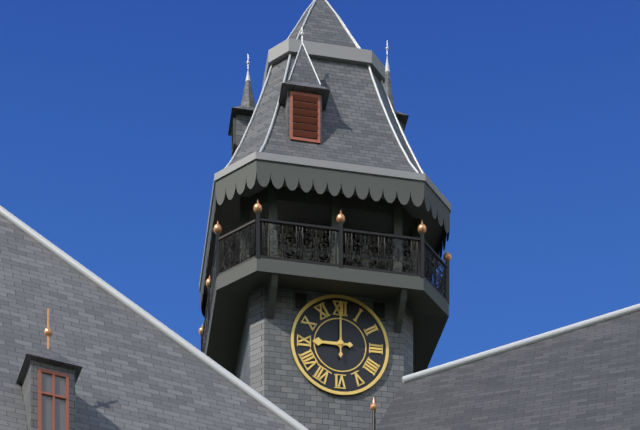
9:00
